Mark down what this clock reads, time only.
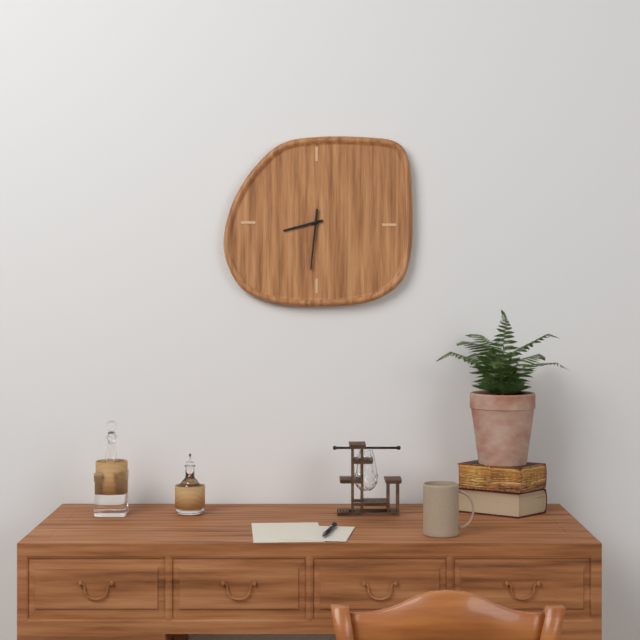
8:31
